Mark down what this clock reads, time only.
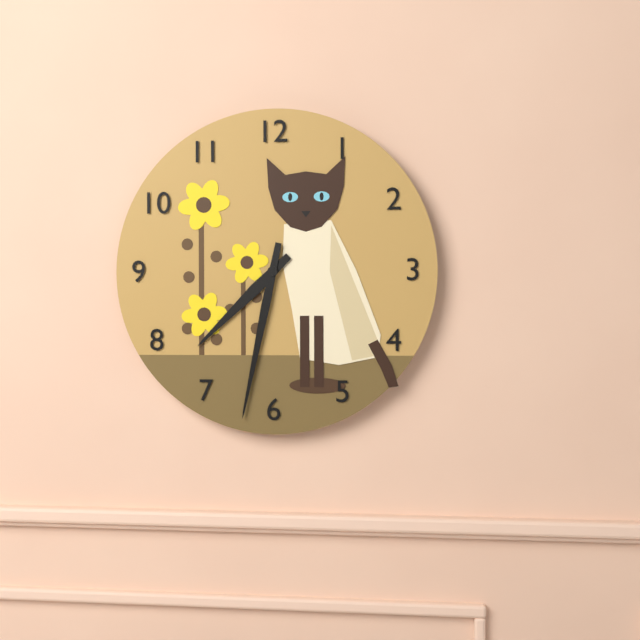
7:32
